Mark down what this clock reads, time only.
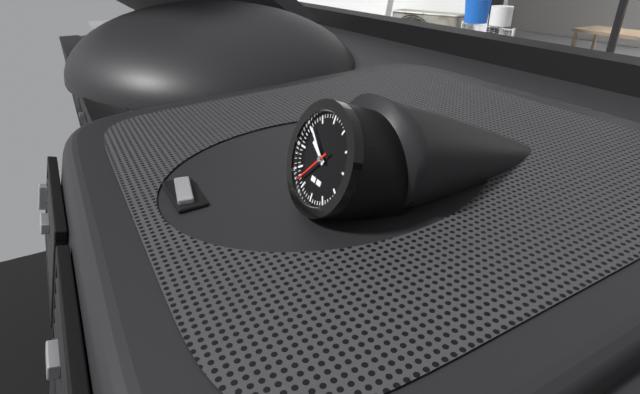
9:51
